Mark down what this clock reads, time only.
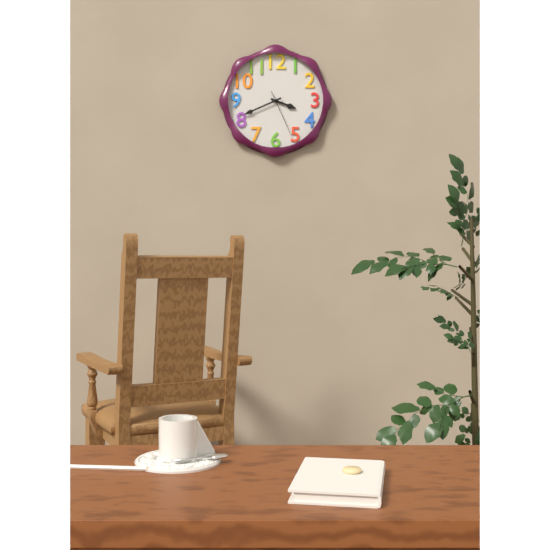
3:41:26
